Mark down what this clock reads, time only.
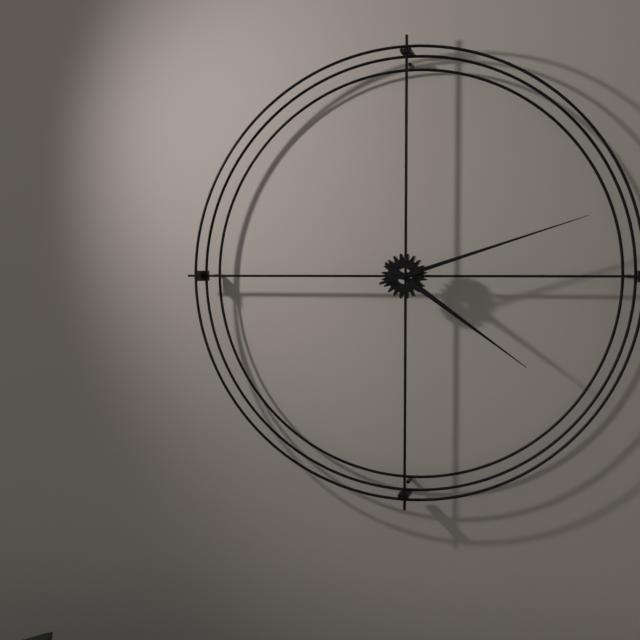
4:12
